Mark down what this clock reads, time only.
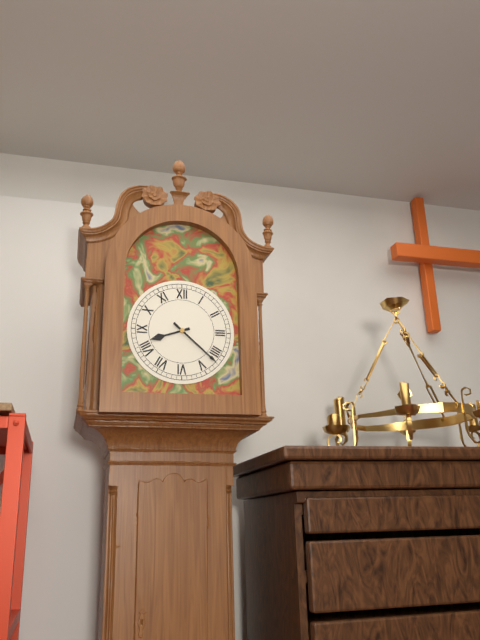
8:22
